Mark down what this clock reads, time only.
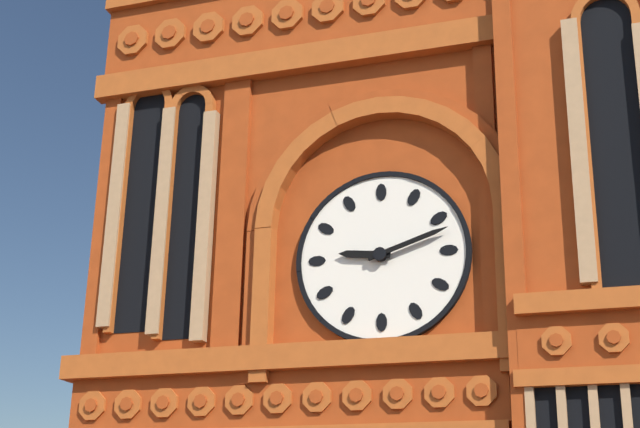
9:12
